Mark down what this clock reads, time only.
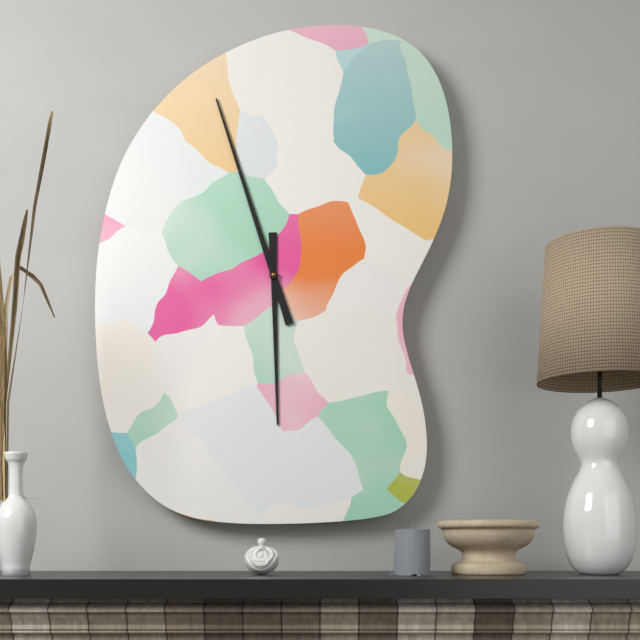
5:57
